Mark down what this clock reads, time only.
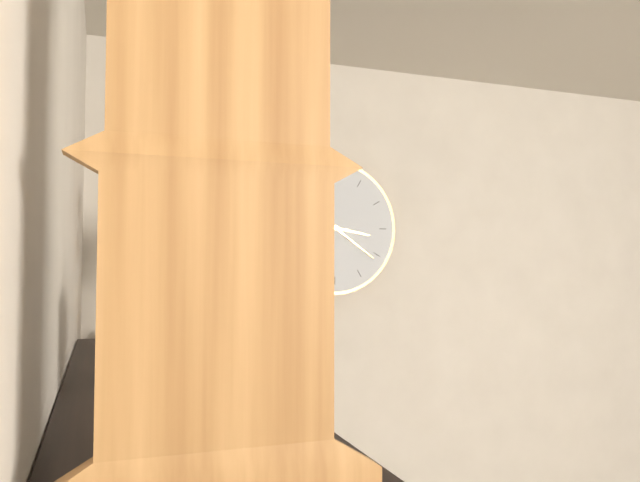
3:21
